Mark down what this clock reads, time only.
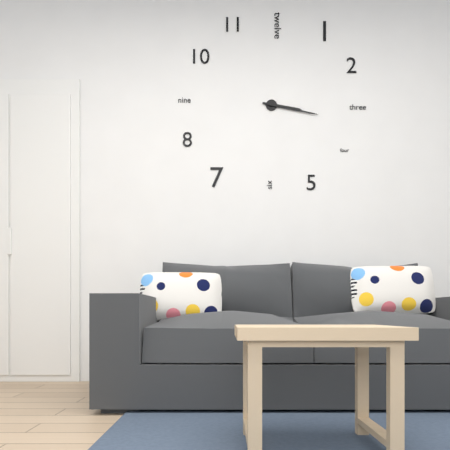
3:17
